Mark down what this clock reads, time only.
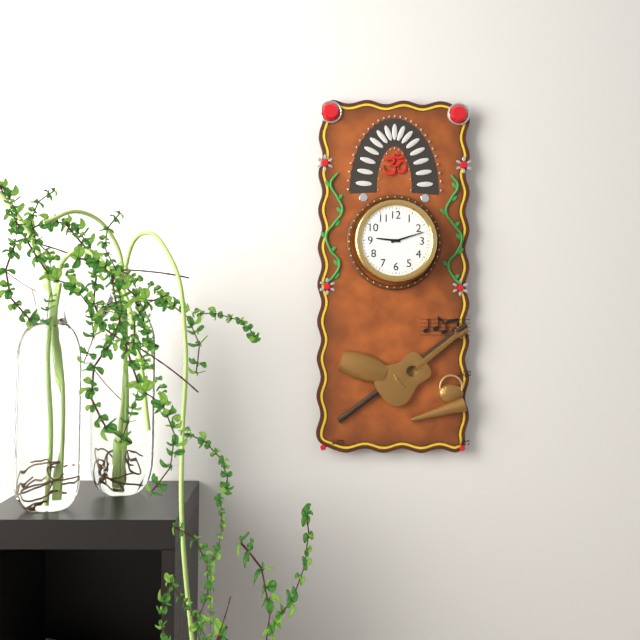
9:12
